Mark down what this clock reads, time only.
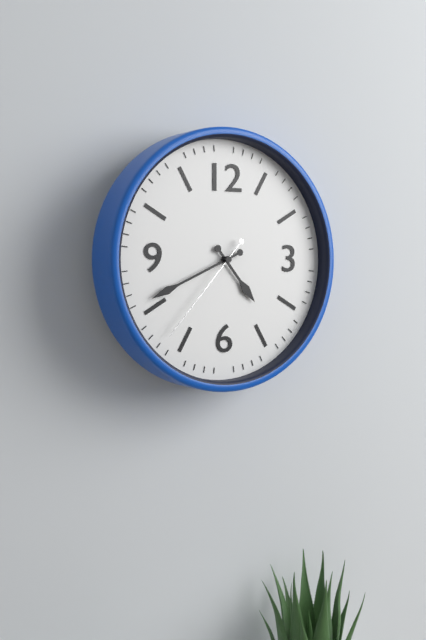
4:41:37
